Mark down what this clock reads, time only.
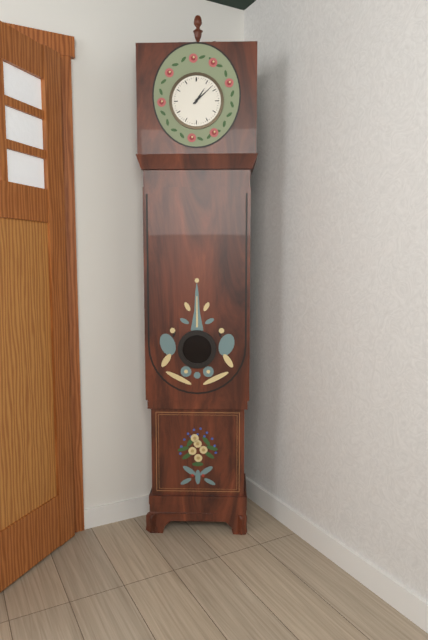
1:08
